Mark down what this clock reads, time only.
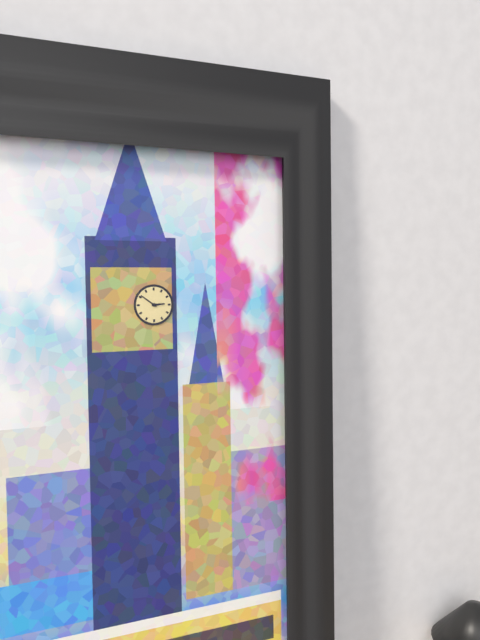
2:51
